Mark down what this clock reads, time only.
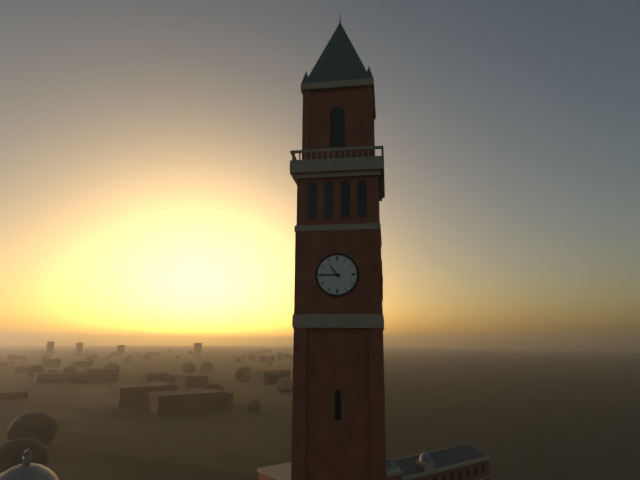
10:45
